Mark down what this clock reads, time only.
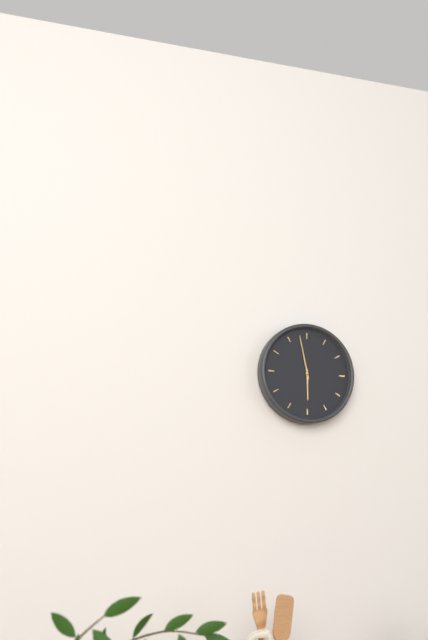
5:58
